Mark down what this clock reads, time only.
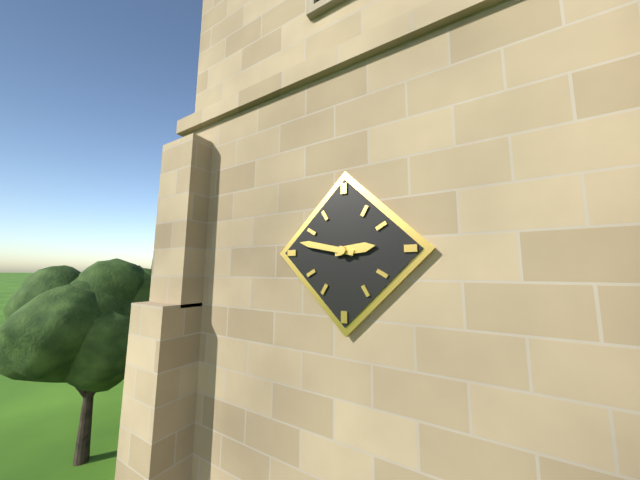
2:47
